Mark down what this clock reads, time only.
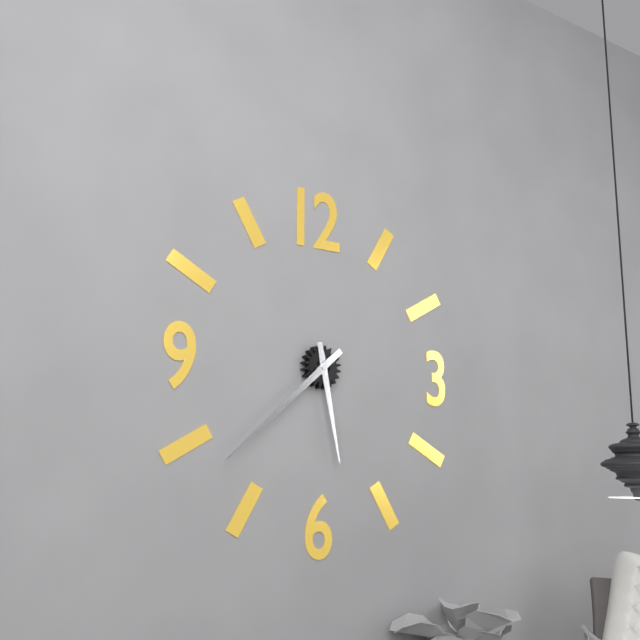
5:38
